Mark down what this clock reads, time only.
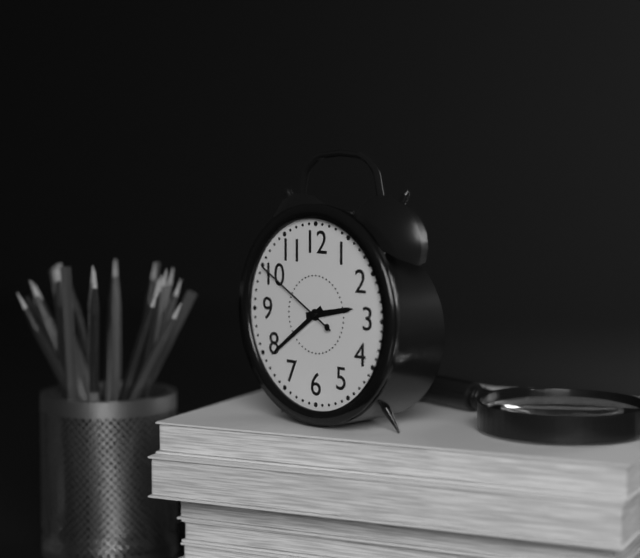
2:39:50
